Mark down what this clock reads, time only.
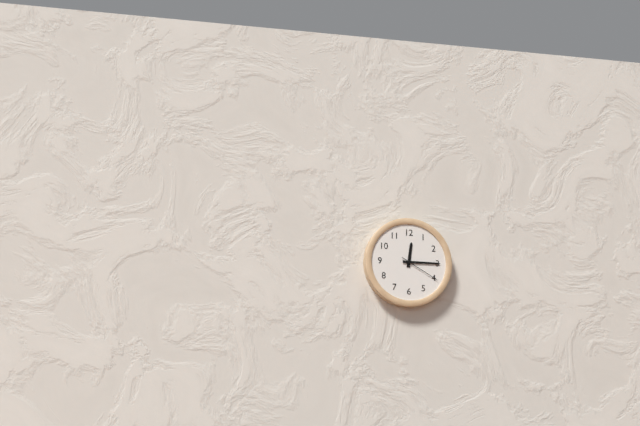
12:15
